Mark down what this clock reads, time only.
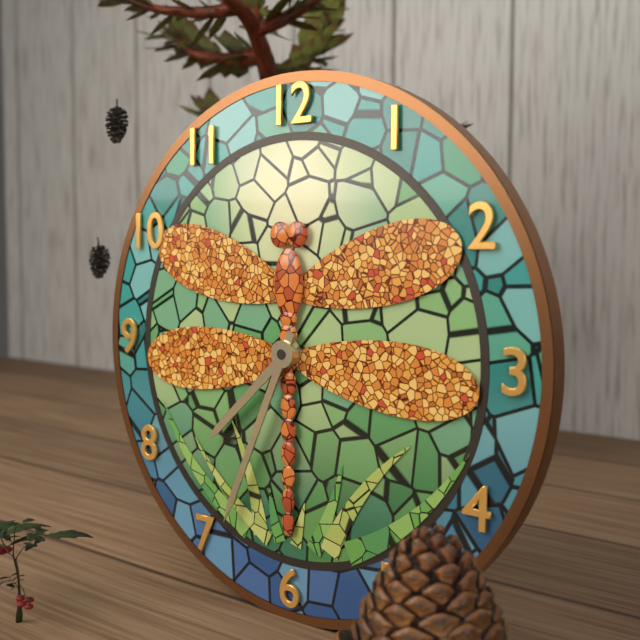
7:34
